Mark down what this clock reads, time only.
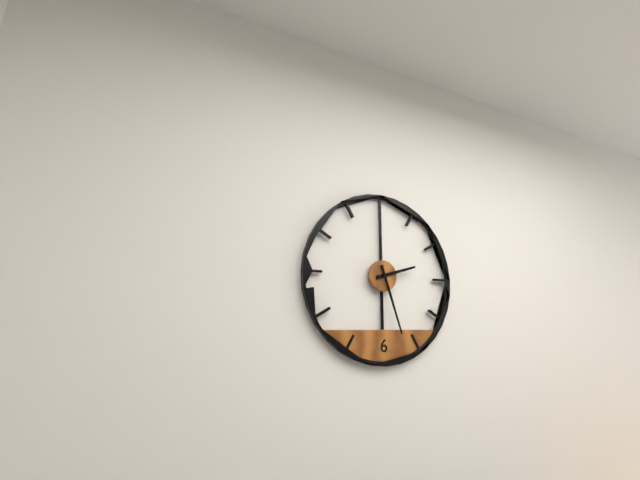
2:27
